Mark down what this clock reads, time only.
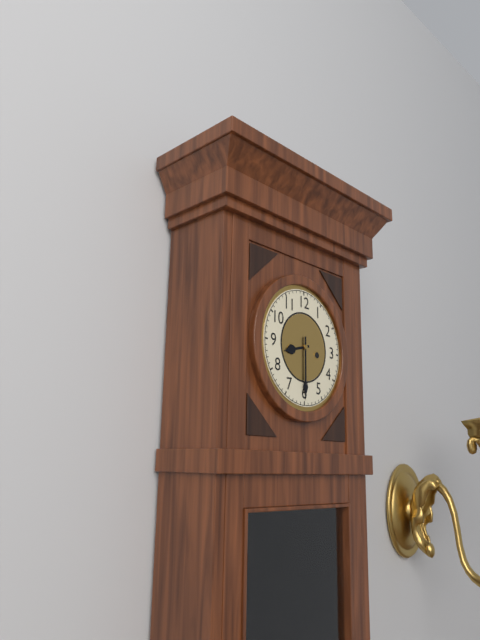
8:30
